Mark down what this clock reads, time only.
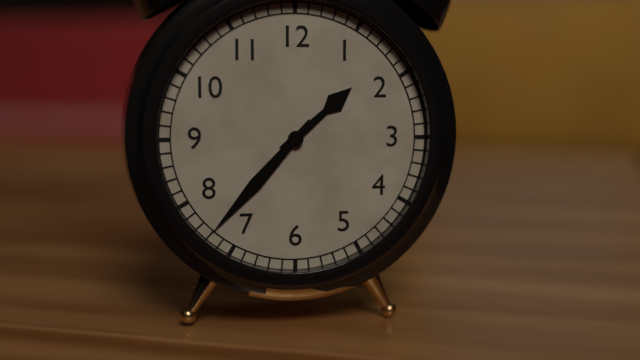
1:37
